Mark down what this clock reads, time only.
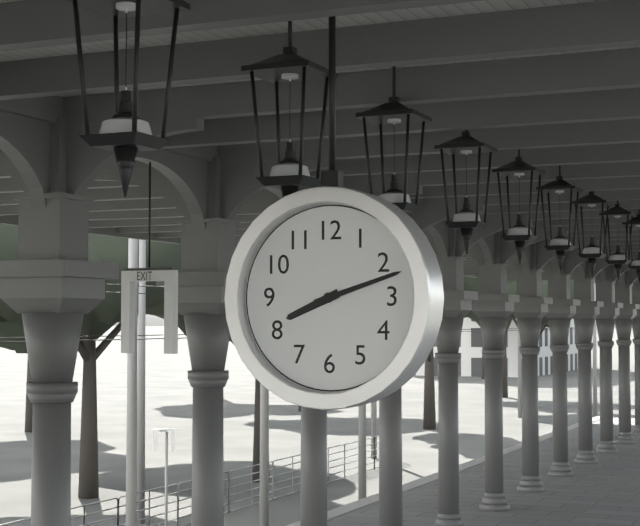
8:12
